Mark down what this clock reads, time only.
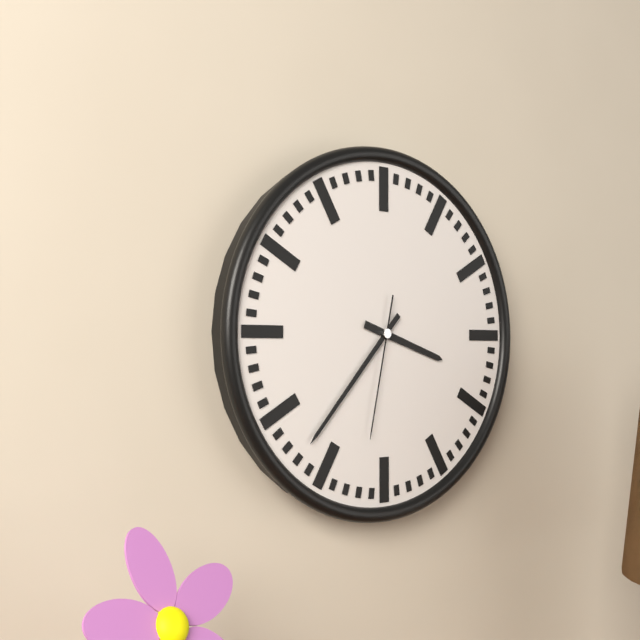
3:37:32
